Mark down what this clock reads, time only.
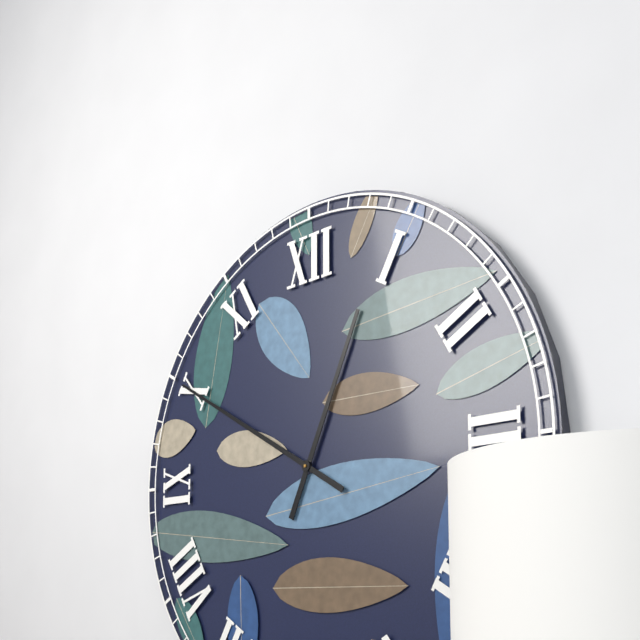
12:50
